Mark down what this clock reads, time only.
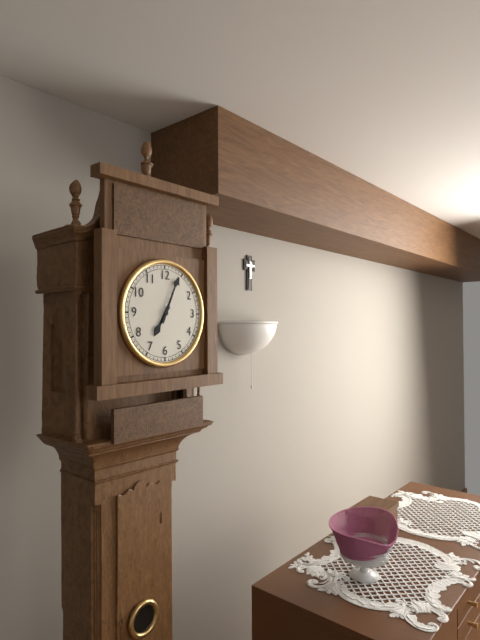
7:04
